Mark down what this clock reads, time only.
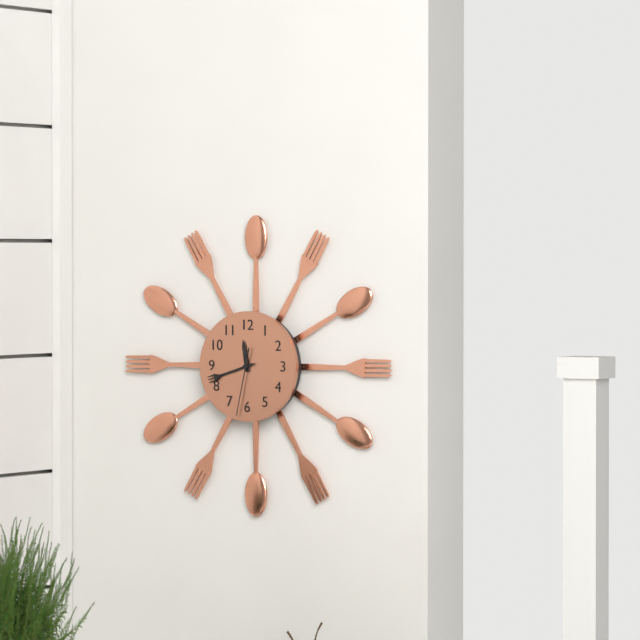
11:42:32
